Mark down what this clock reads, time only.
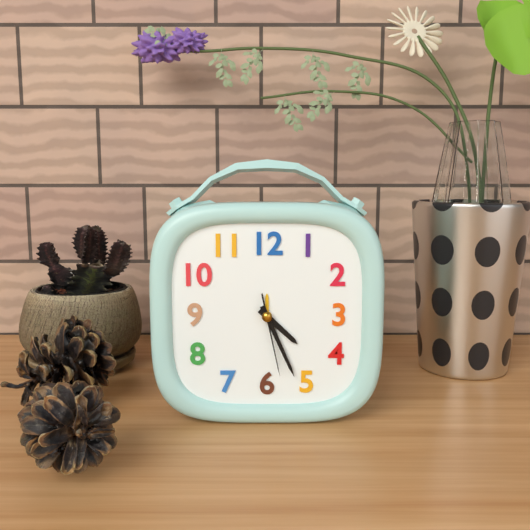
4:26:28
